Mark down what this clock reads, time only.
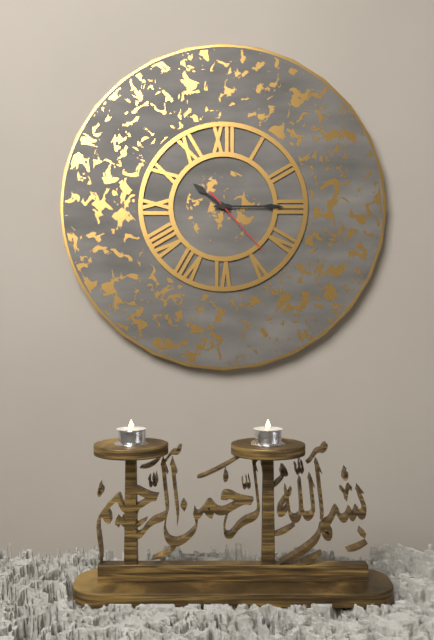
10:15:23
